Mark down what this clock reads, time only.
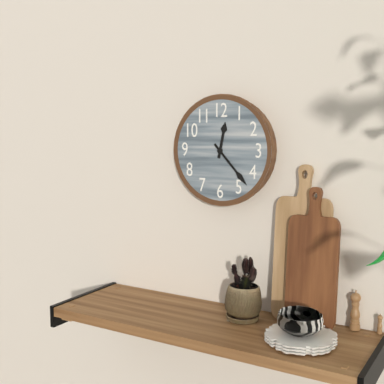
12:23
